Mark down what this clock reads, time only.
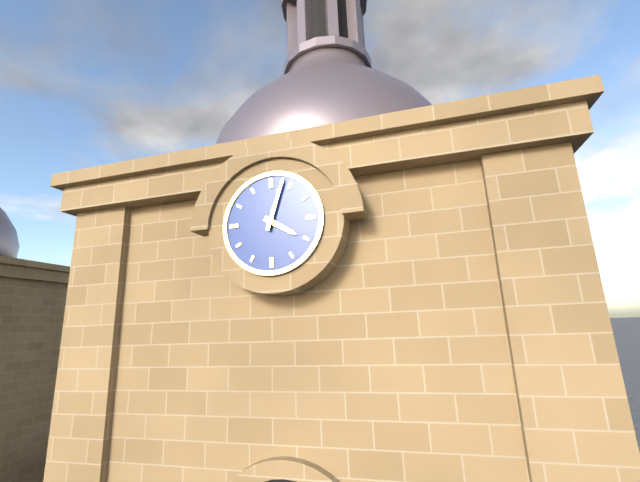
4:03
